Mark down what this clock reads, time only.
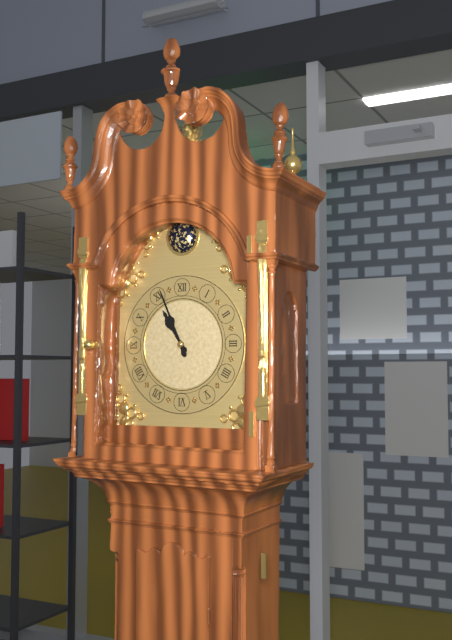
10:56
